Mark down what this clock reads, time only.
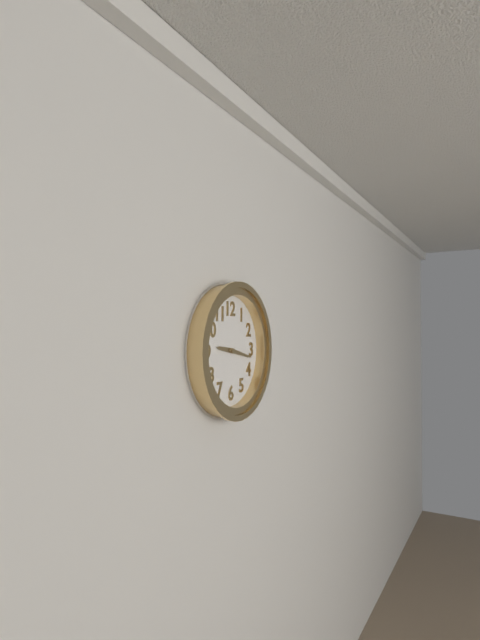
9:17
